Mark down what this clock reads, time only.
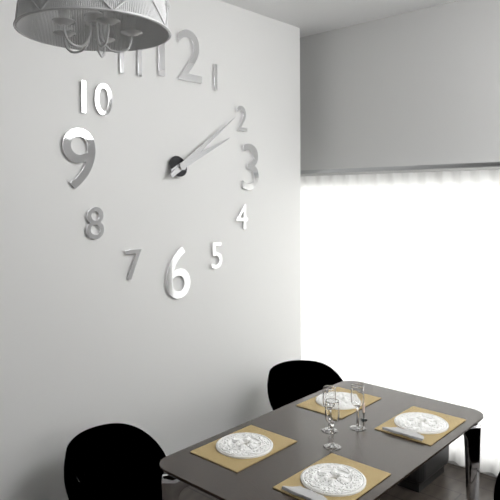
2:09
